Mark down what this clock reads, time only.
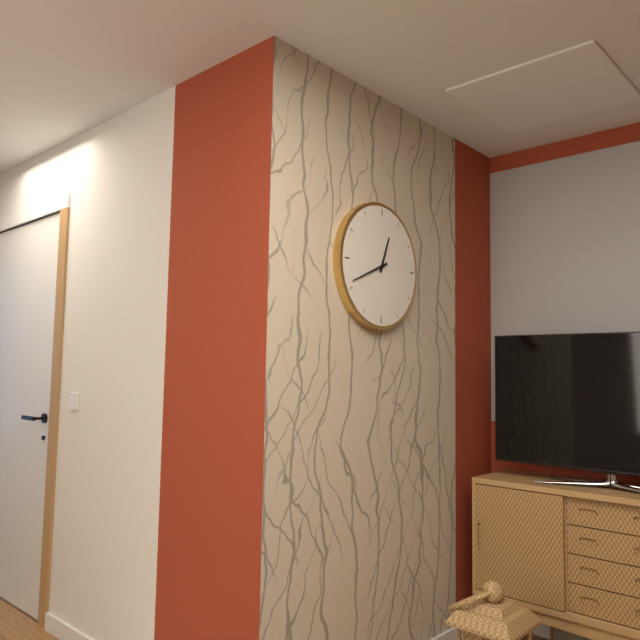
12:41
